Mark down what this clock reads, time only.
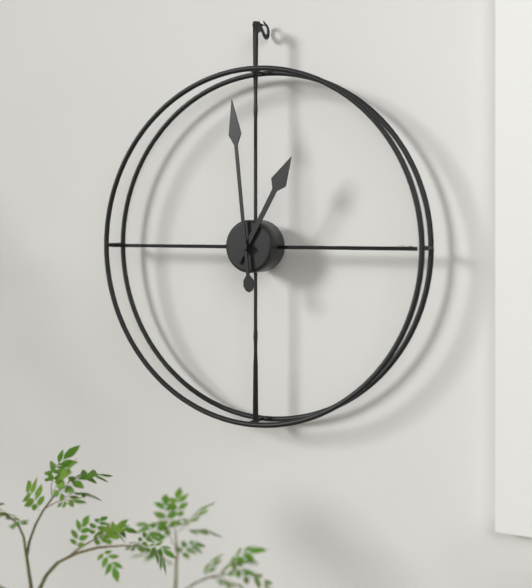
12:59
